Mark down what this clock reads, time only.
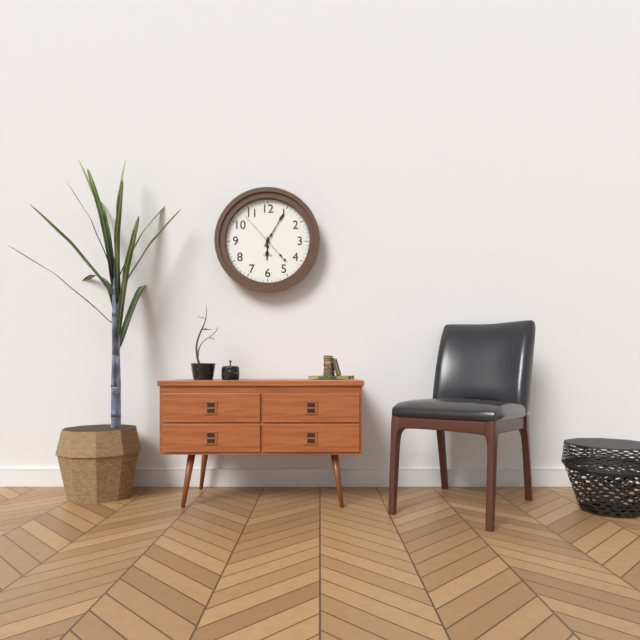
6:05
